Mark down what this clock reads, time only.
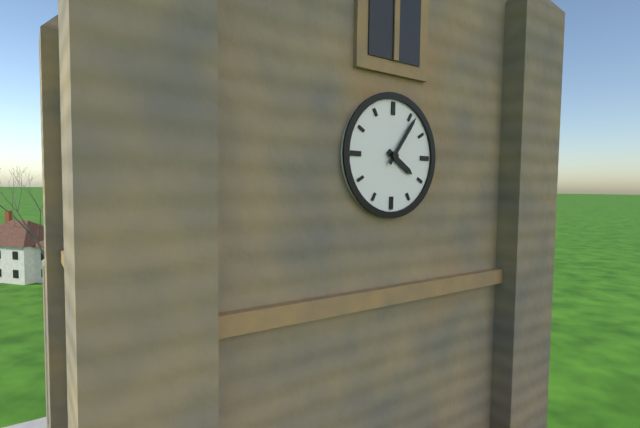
4:06
